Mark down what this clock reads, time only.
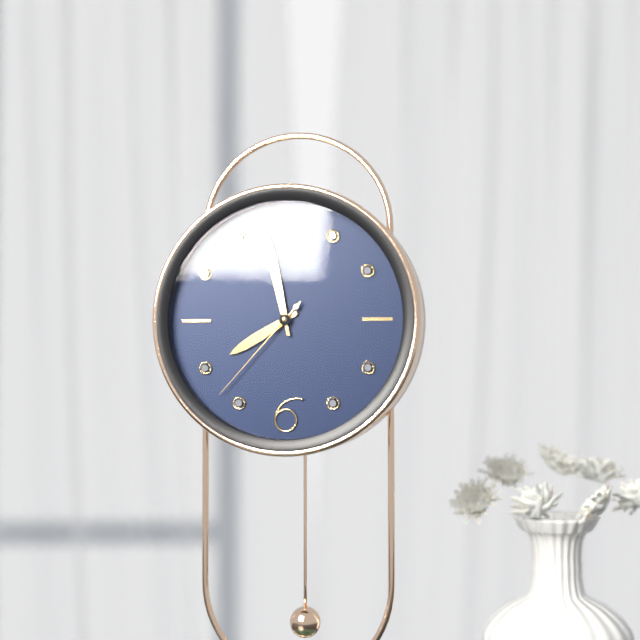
7:58:37
